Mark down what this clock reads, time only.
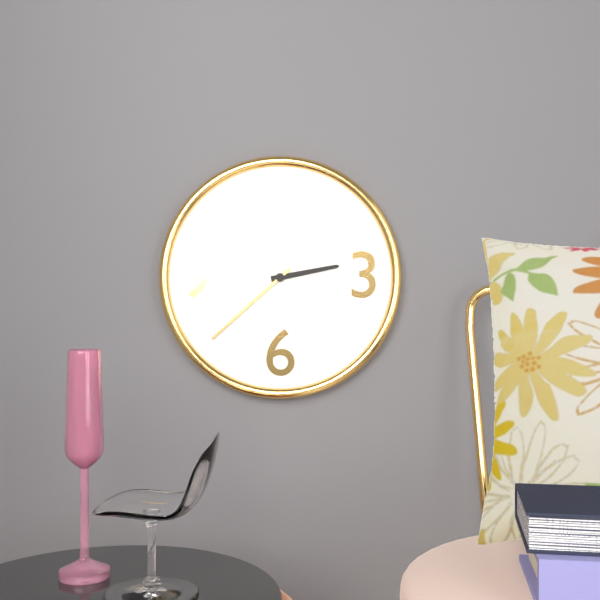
2:38
